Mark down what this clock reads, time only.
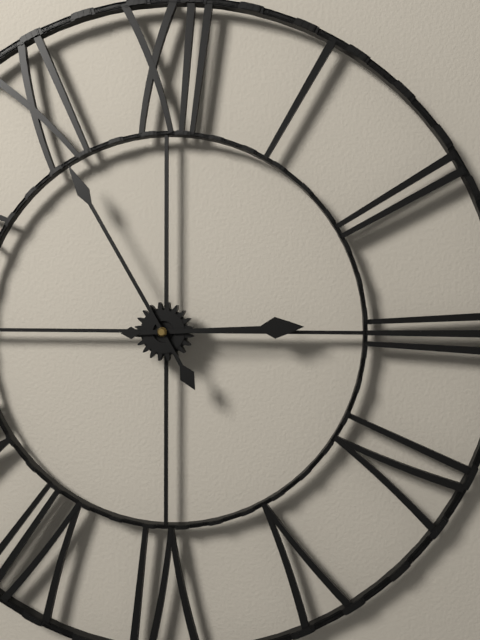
2:55
